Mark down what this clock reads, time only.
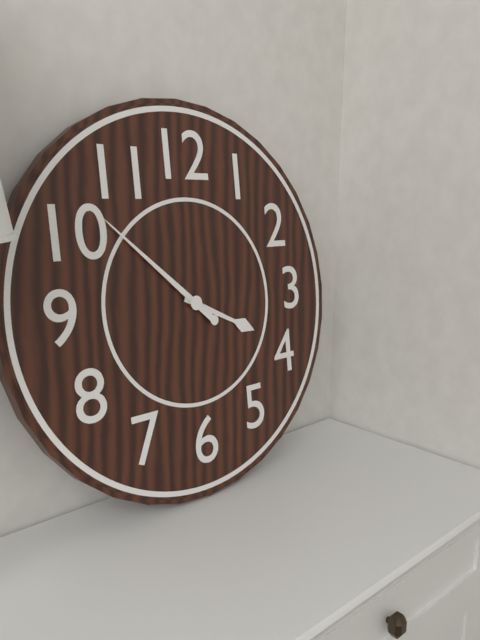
3:52
